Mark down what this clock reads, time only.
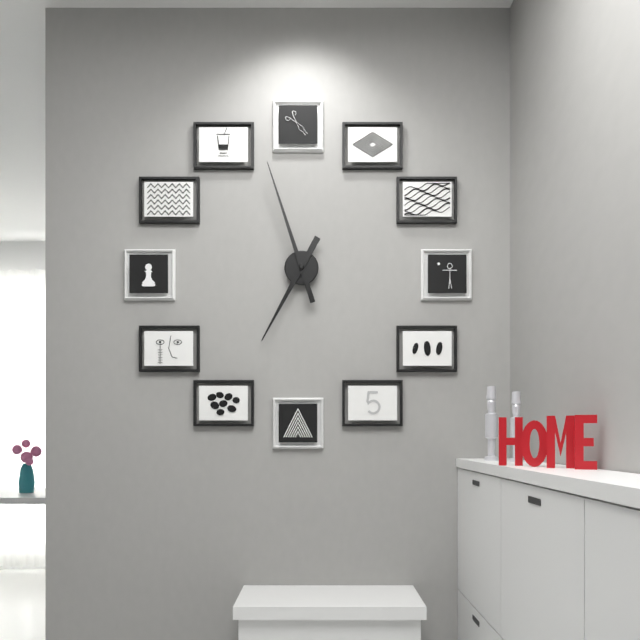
6:57
